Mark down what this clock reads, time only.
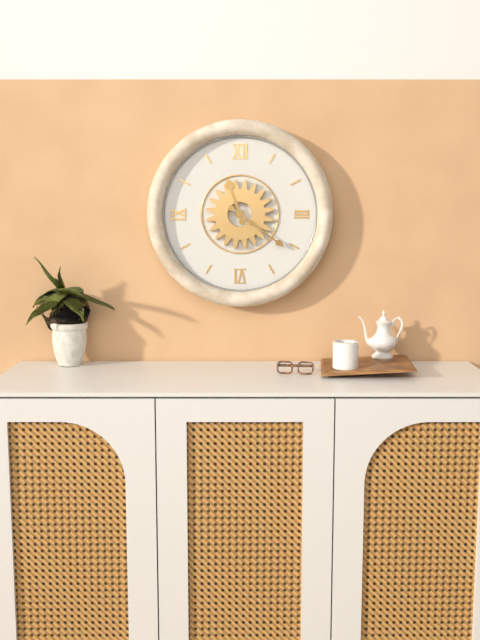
11:21
